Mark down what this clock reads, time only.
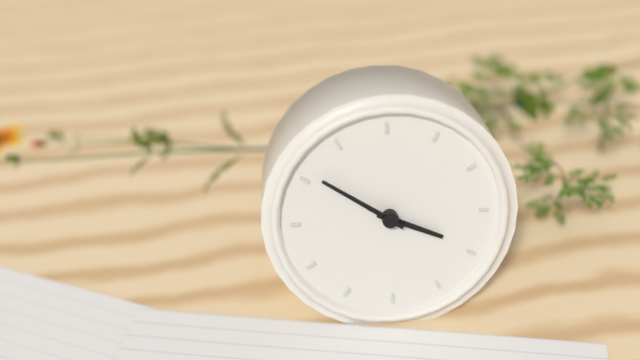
3:51
